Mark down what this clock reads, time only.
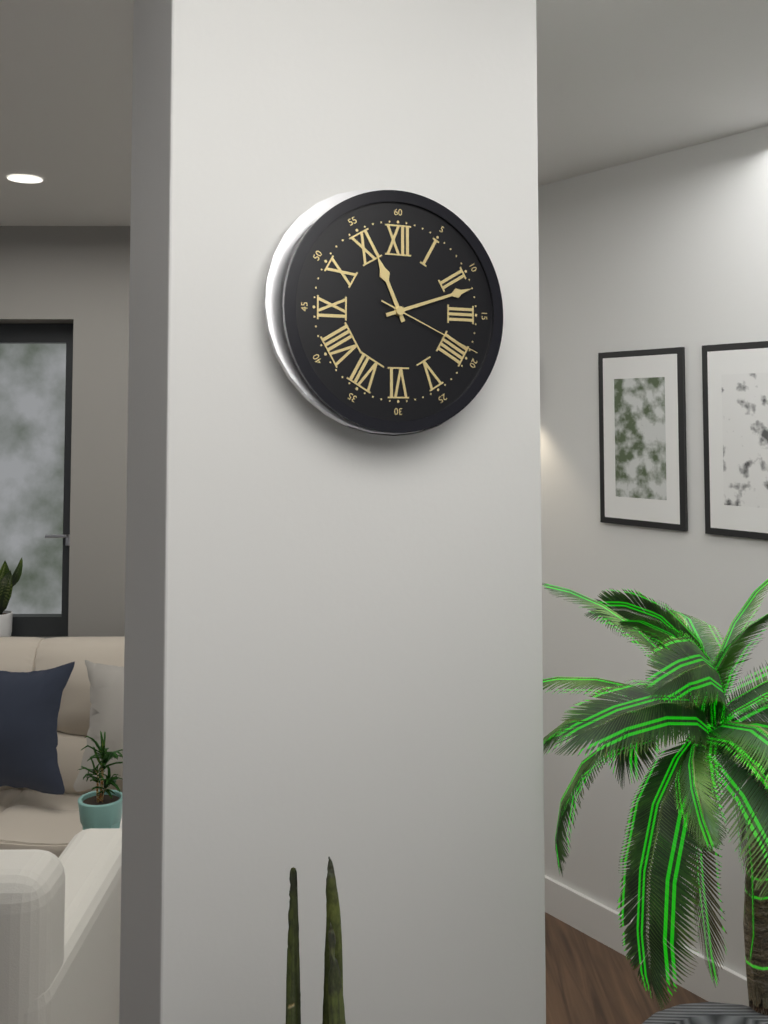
11:12:19
